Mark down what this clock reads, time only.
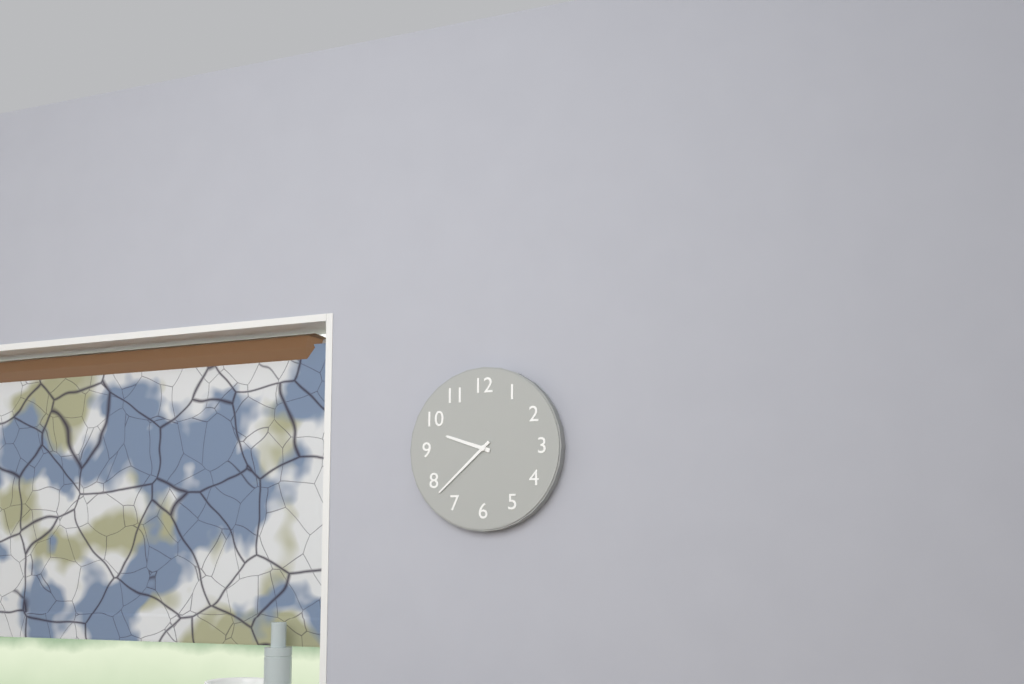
9:38
